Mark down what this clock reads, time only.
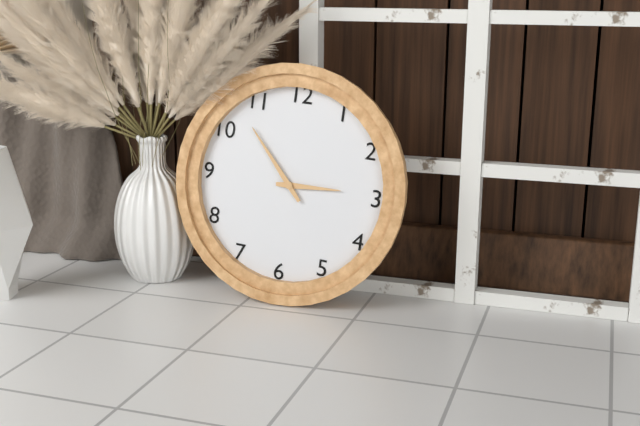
2:53
